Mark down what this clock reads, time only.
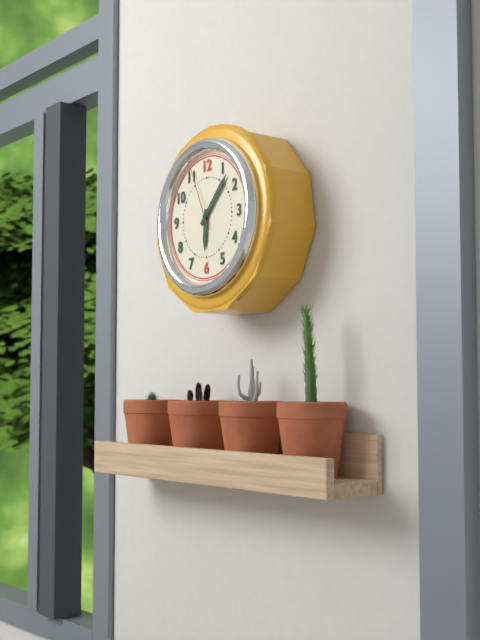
6:07:56
